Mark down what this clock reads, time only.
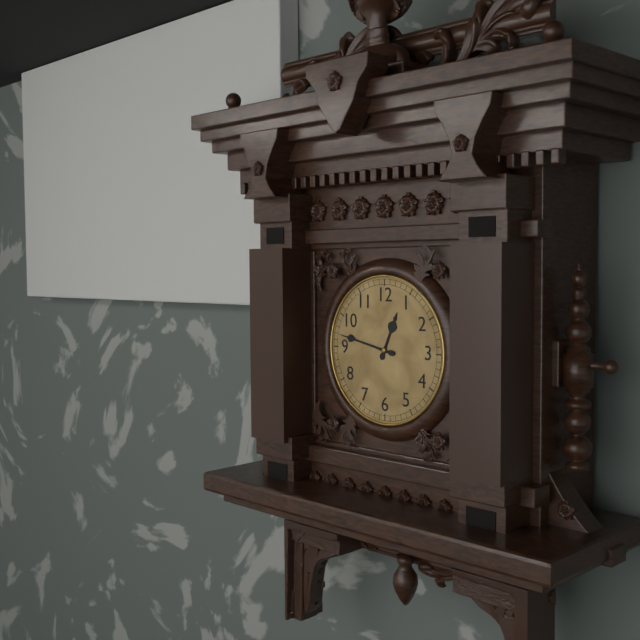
12:47
